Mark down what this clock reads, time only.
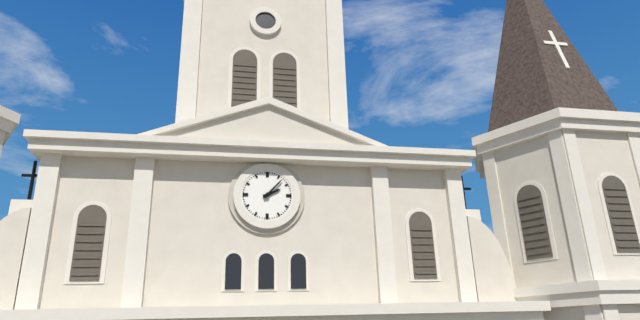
2:07
